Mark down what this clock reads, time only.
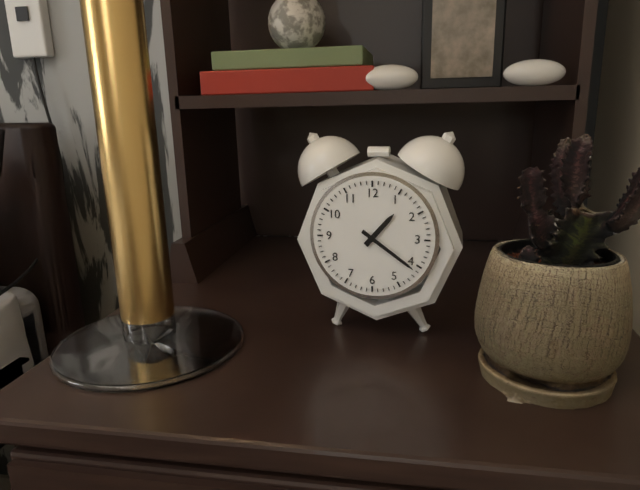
1:21
